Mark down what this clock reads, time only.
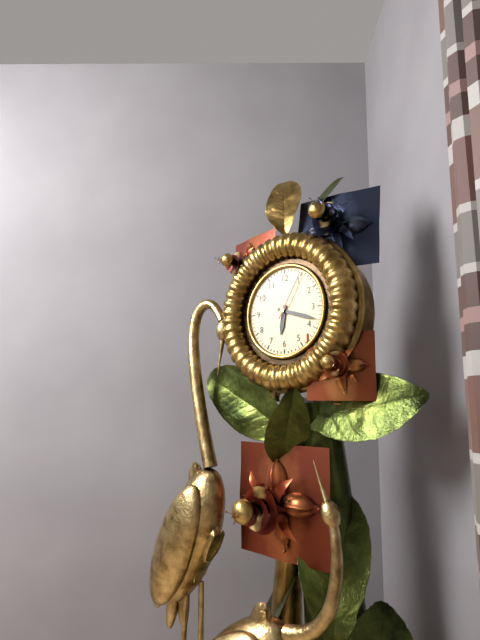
6:18:05
